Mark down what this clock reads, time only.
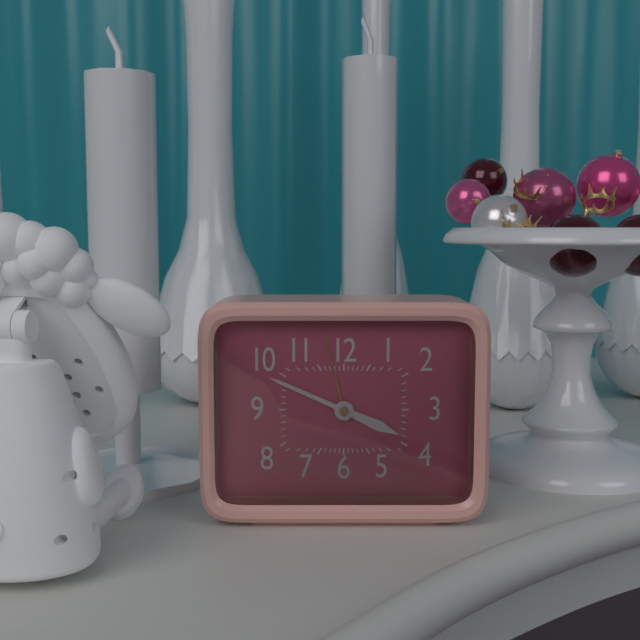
3:49
